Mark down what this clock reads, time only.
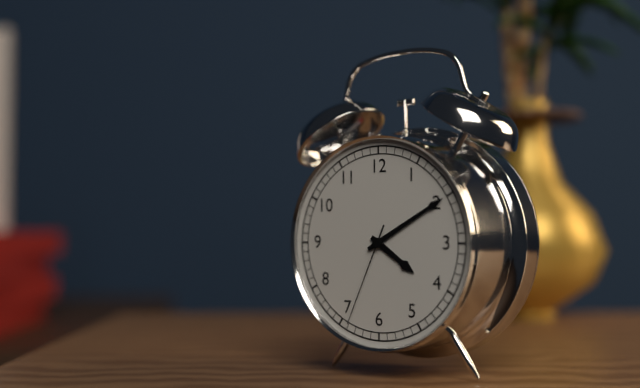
4:10:34
